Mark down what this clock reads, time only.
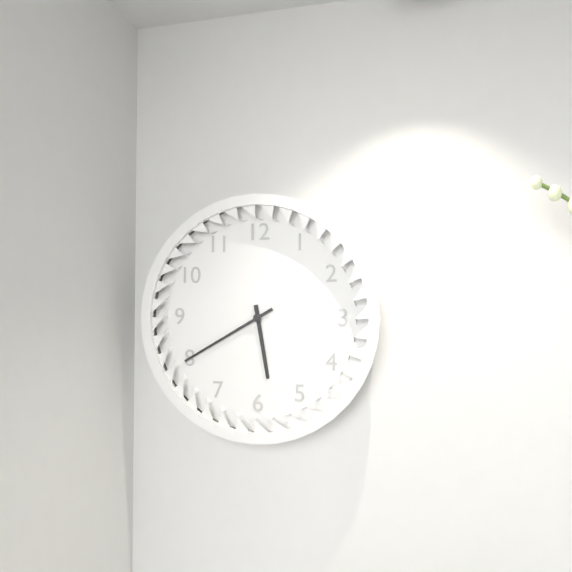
5:40
